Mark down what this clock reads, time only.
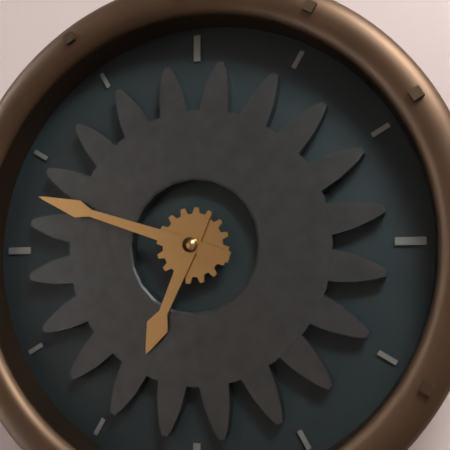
6:48
